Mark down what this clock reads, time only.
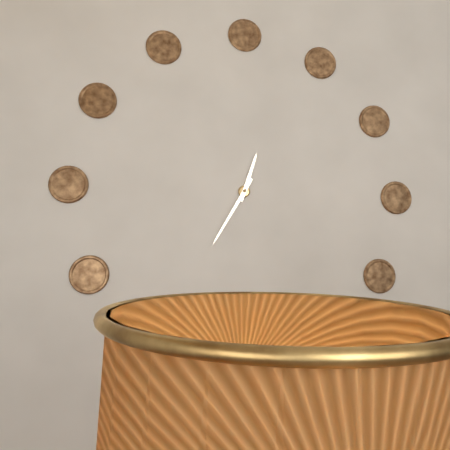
12:35
